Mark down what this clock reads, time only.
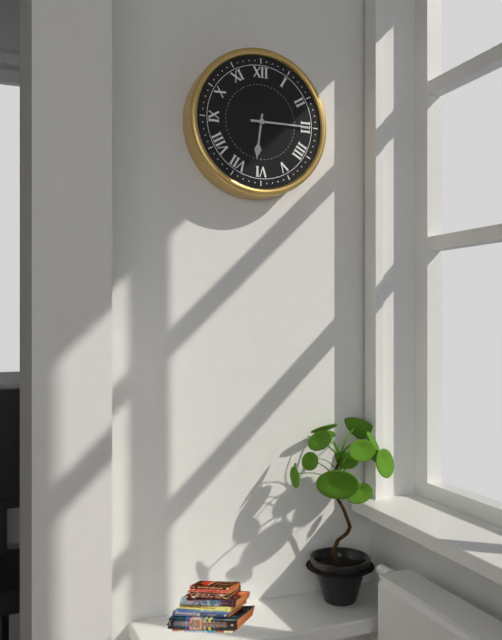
6:15
